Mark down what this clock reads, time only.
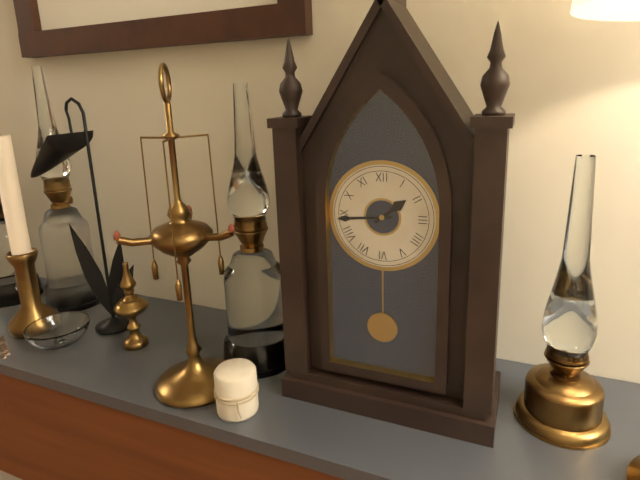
1:44
